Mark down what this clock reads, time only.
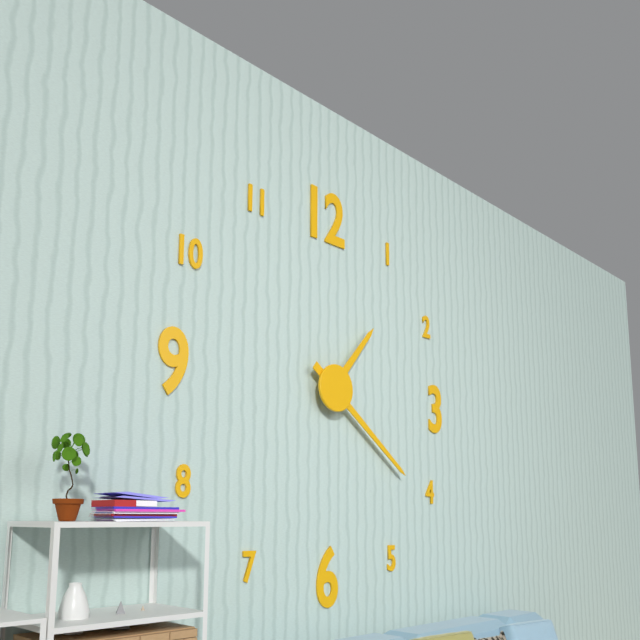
1:21
